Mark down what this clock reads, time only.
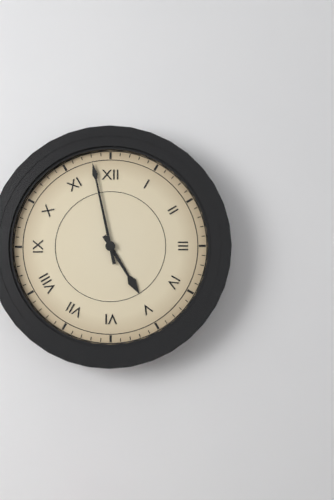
4:58
